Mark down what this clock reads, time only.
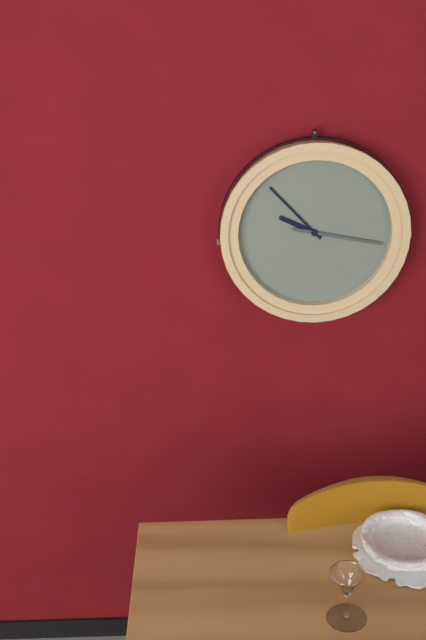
9:53:17
